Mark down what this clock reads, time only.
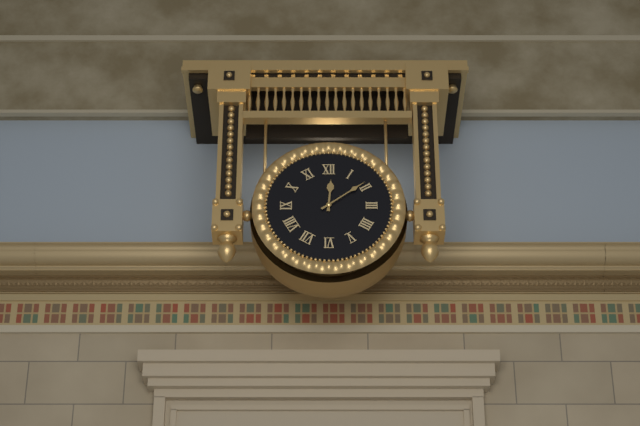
12:09
